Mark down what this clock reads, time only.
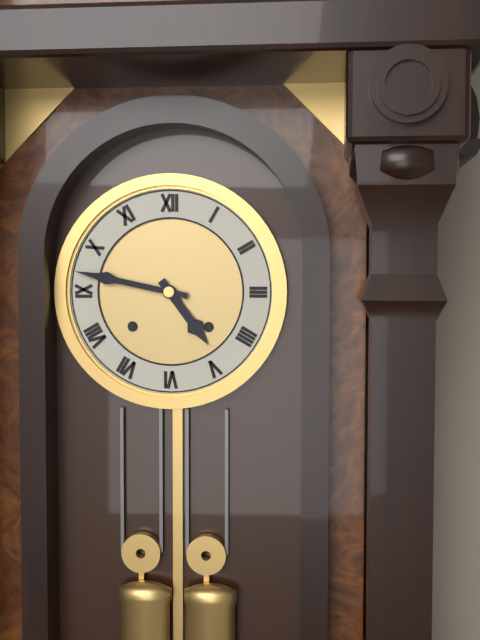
4:47
